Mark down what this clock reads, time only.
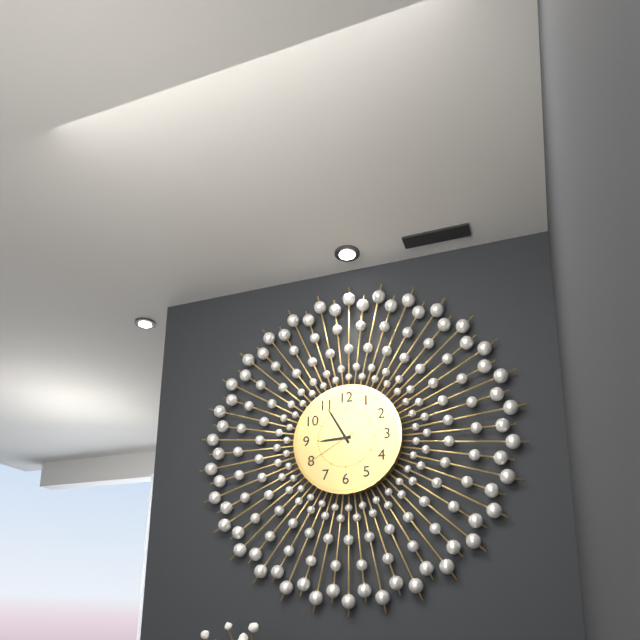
8:55:40
